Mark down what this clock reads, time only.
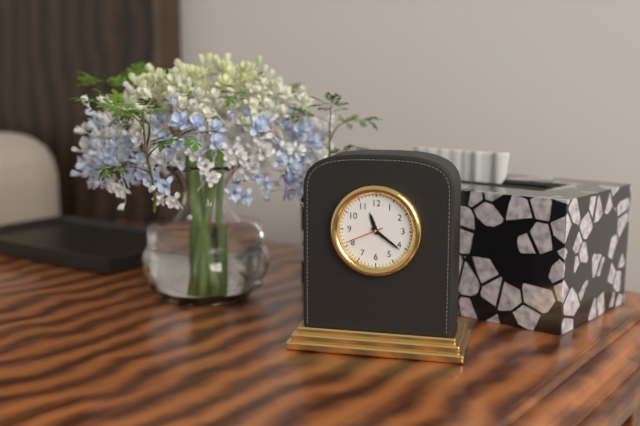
11:21
